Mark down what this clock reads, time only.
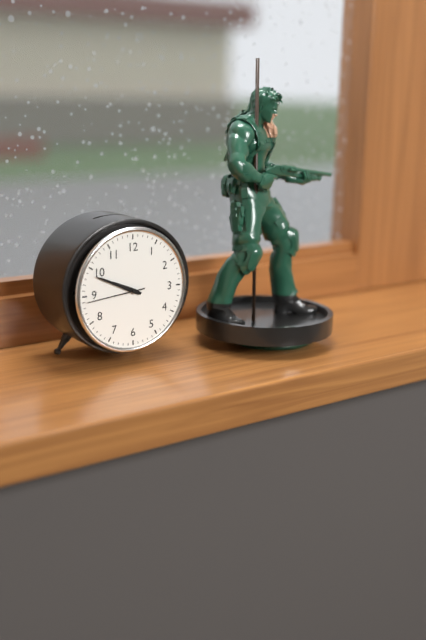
9:49:44
